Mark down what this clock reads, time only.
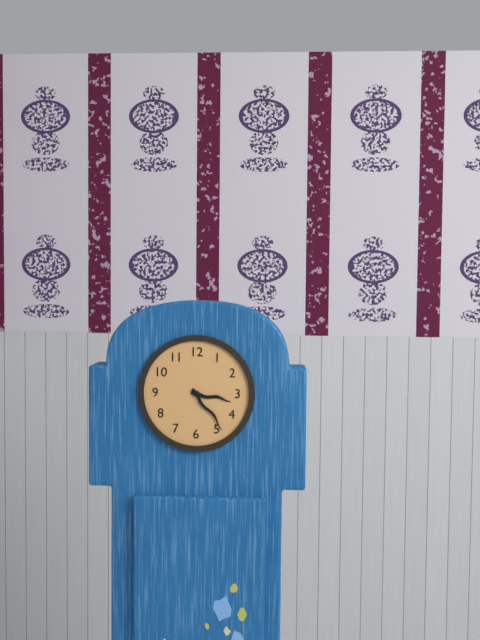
3:24
